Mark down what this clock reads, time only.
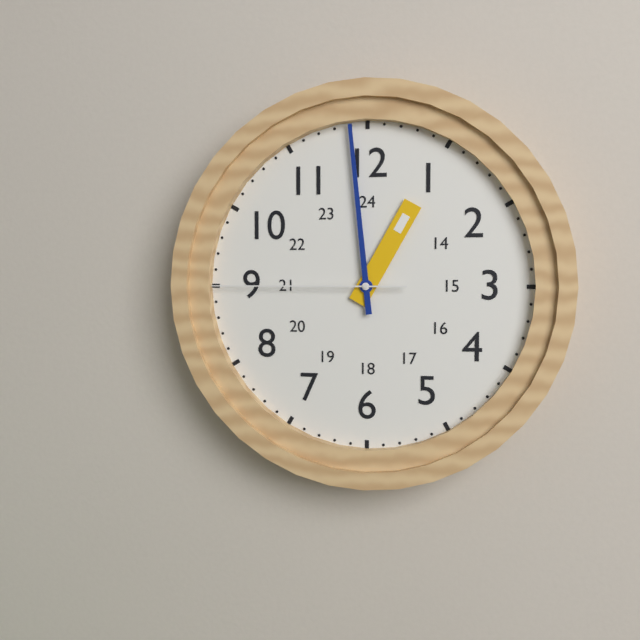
12:59:45
